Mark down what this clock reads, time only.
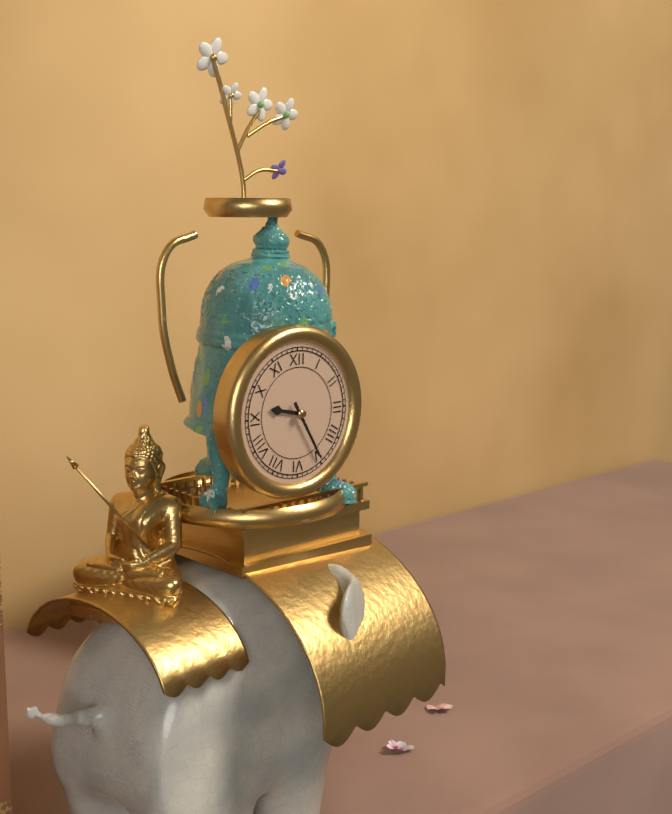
9:25
